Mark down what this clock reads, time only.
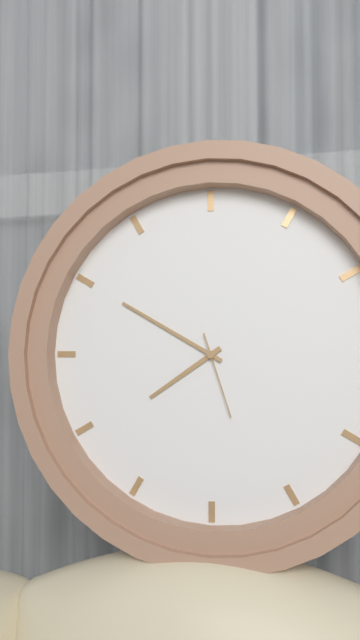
7:50:27
